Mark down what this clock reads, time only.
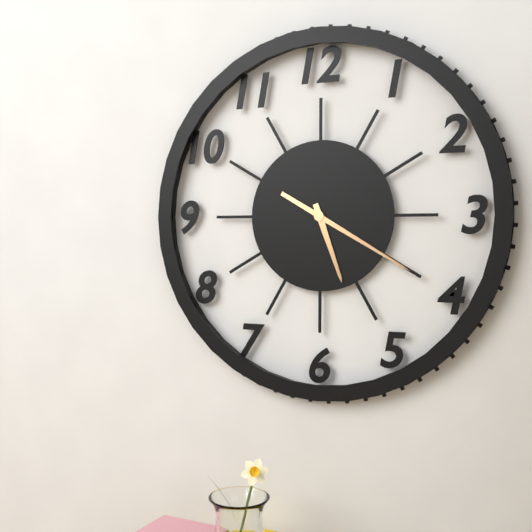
5:20
